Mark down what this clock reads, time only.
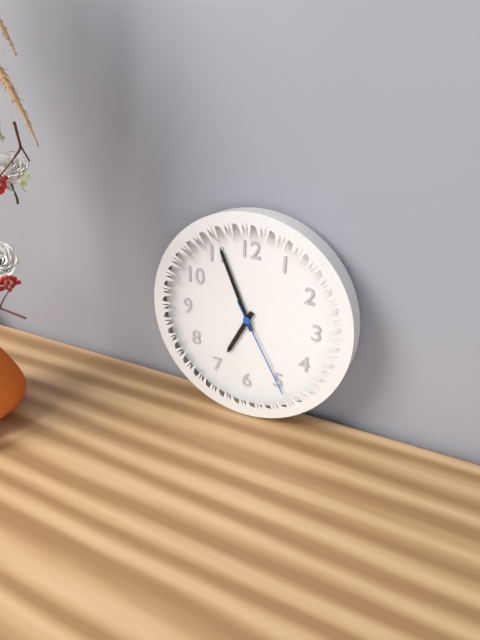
6:56:25
